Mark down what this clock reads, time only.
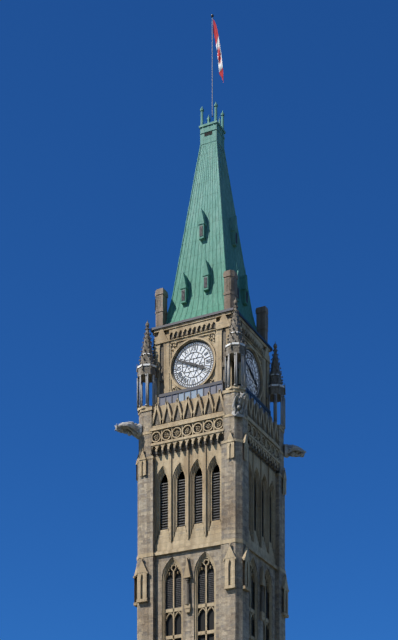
3:49
